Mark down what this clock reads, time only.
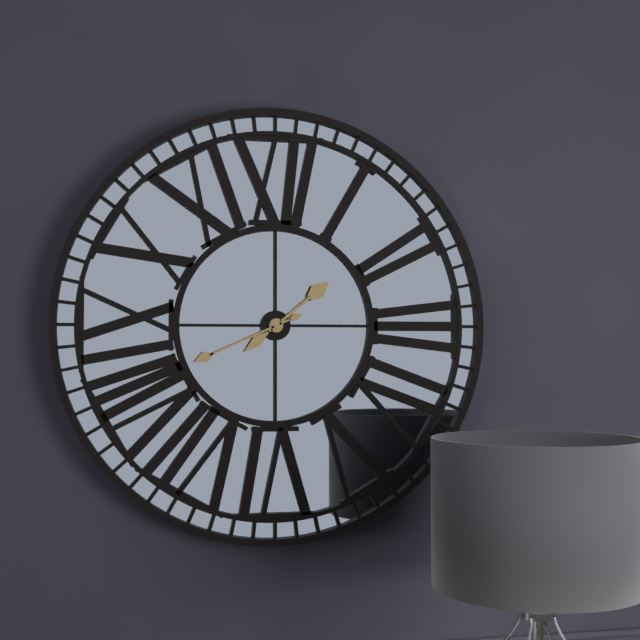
1:41
